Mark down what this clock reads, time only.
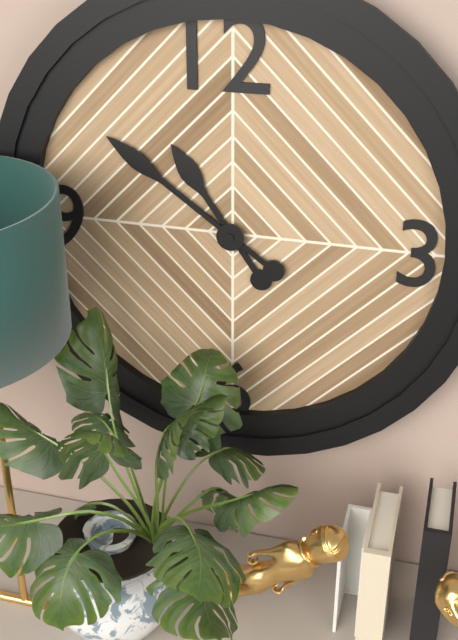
10:51
